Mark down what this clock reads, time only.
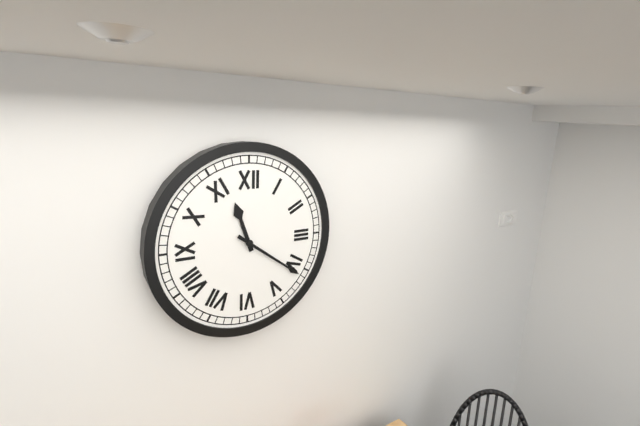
11:21
